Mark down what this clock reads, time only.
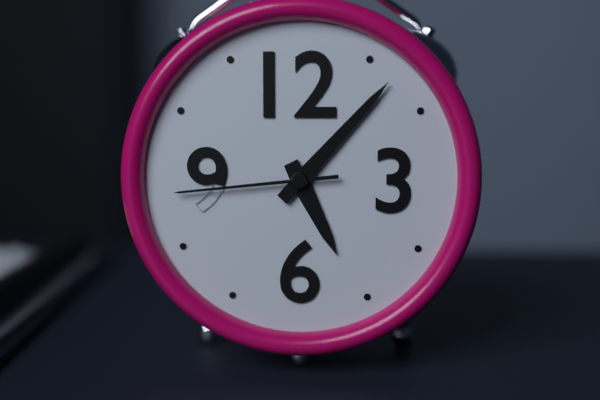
5:07:44
